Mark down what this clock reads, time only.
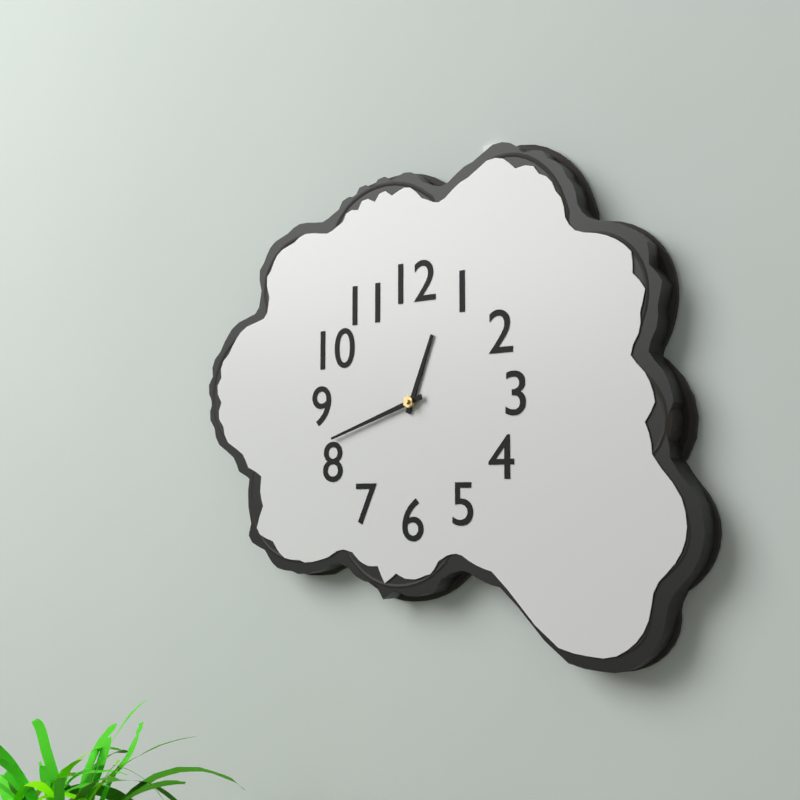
12:42
